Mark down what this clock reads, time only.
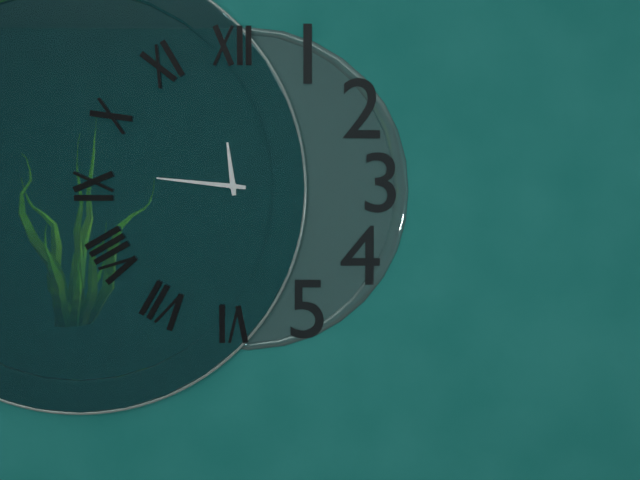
11:46
